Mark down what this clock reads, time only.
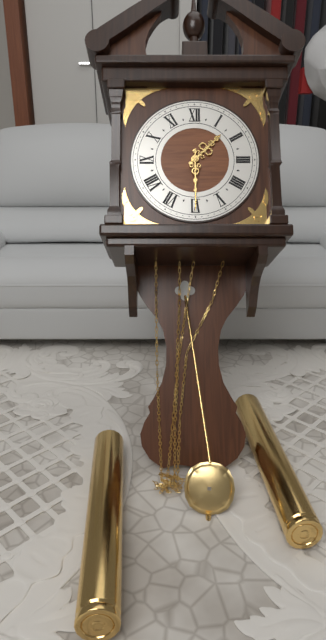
1:30
